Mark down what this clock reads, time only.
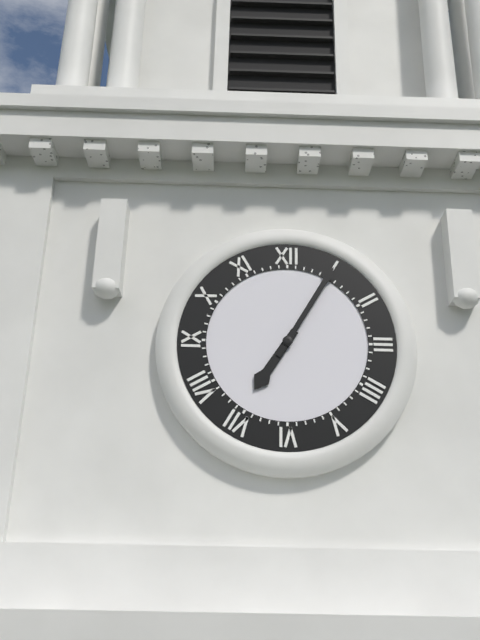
7:05
